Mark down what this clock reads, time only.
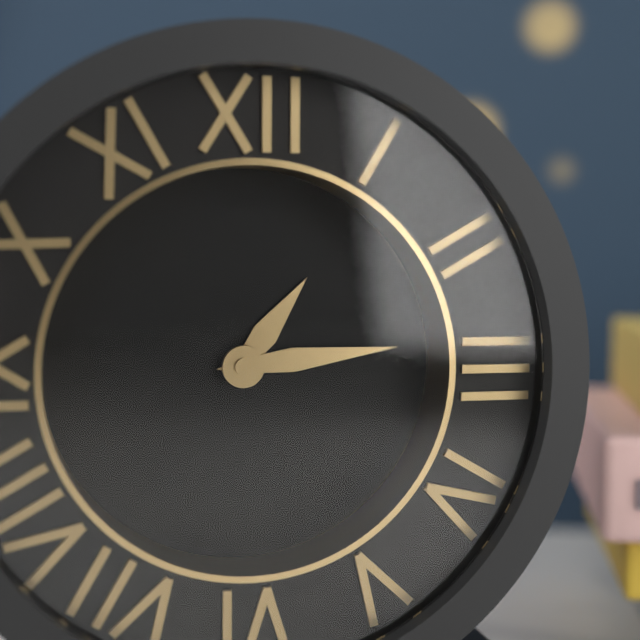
1:14
